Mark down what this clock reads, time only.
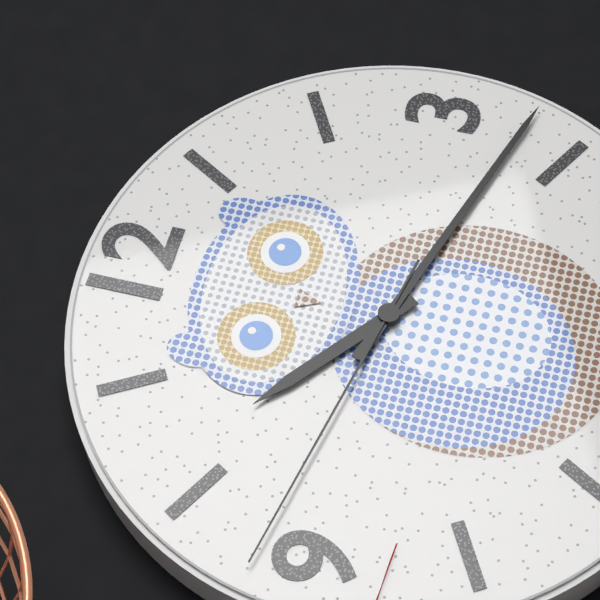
10:18:47
